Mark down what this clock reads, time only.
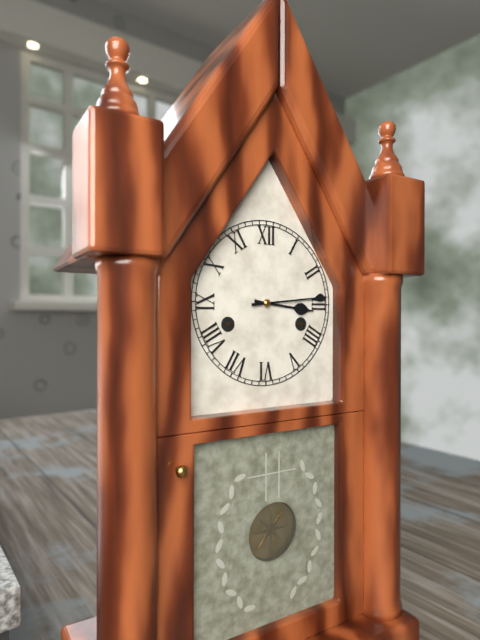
3:14
